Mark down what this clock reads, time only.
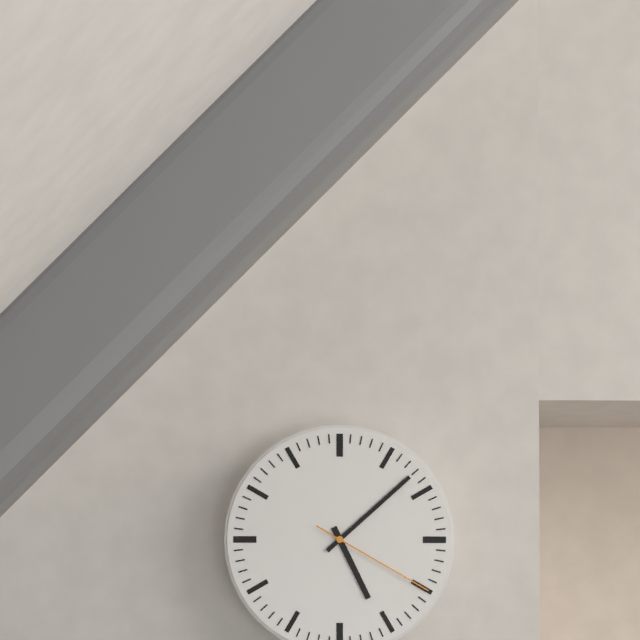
5:08:20
